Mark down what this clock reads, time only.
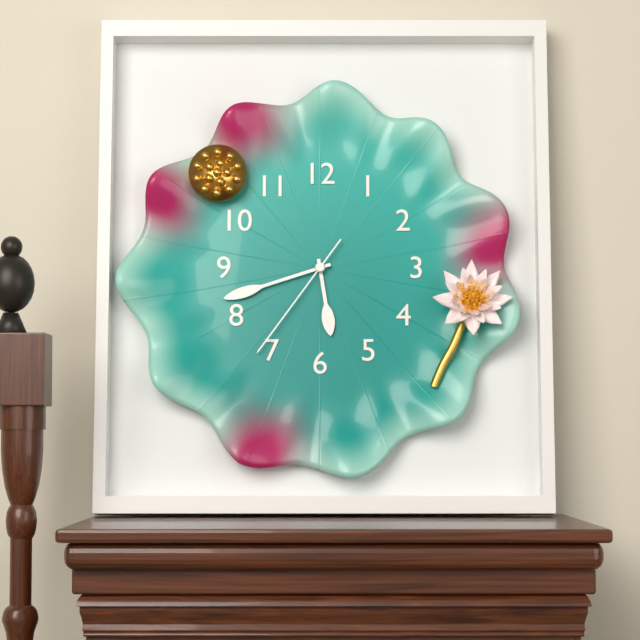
5:42:36
